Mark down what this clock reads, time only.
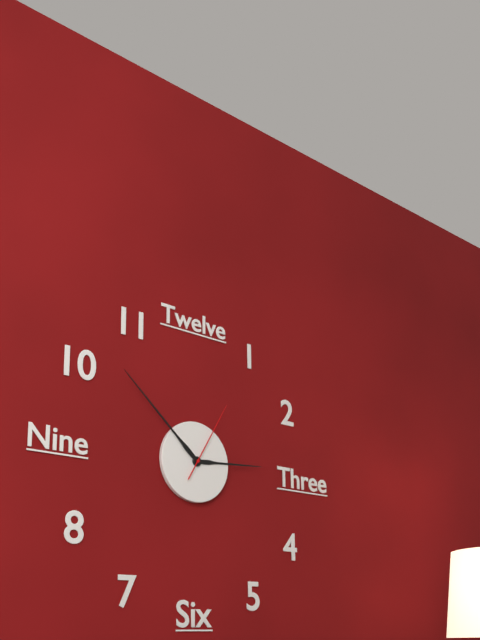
2:52:05
